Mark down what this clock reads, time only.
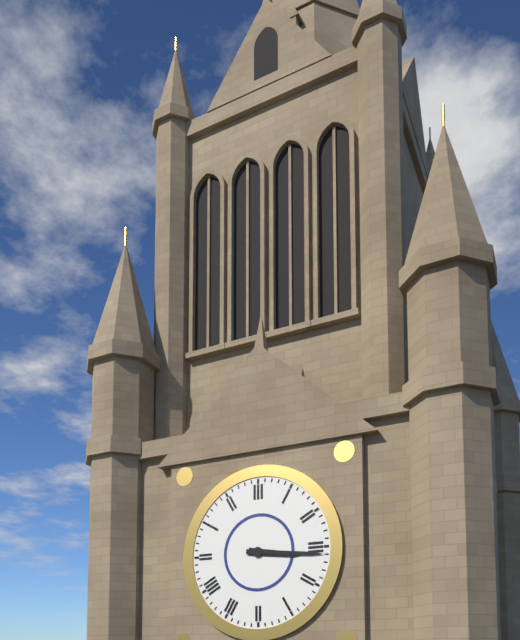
3:16
